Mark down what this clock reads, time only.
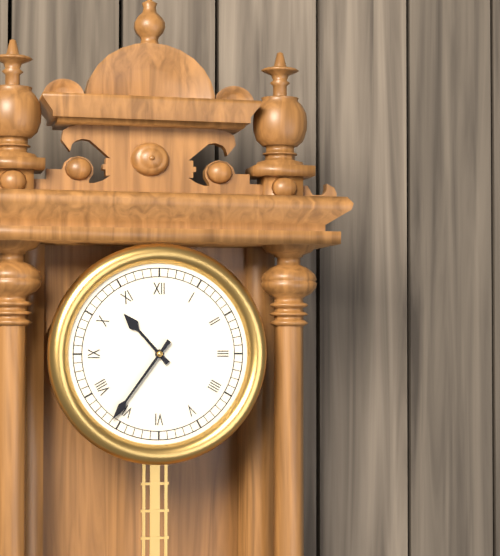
10:36
